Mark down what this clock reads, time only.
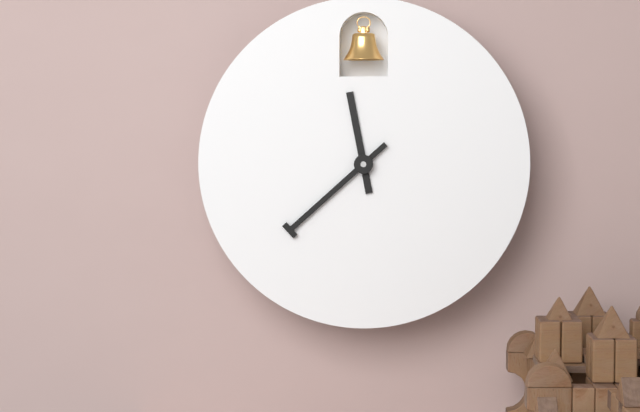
11:38
